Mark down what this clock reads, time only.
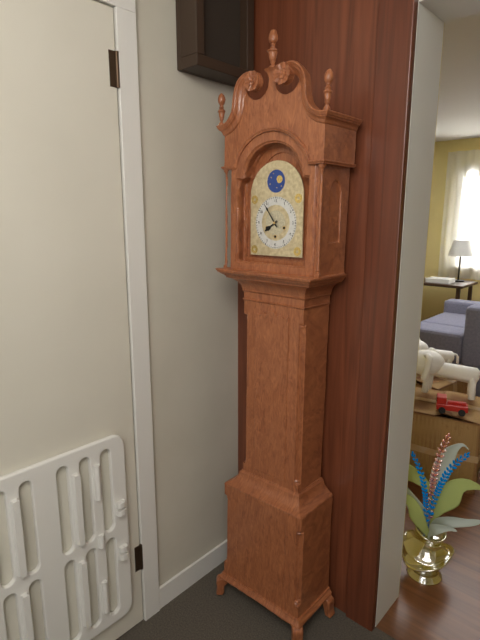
7:54
